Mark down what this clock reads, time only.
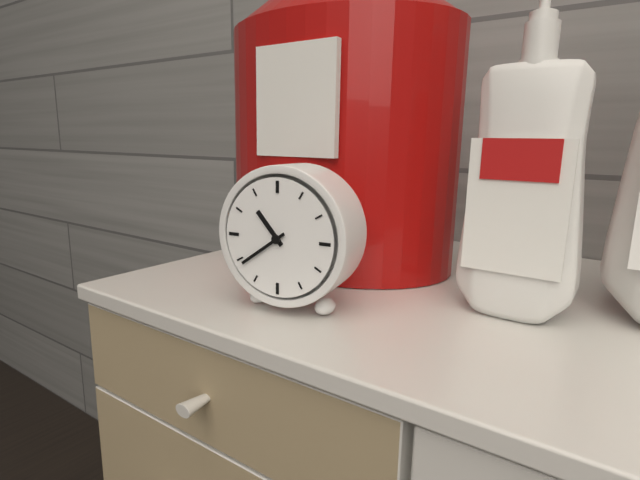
10:39
